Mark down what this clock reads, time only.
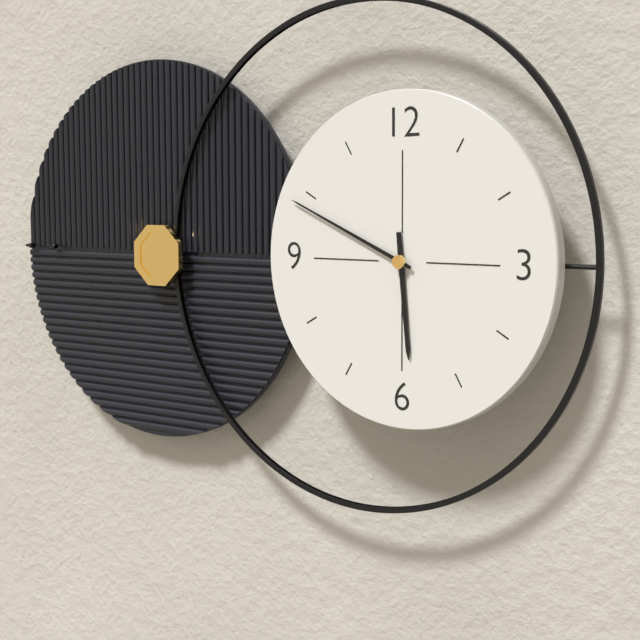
5:49
